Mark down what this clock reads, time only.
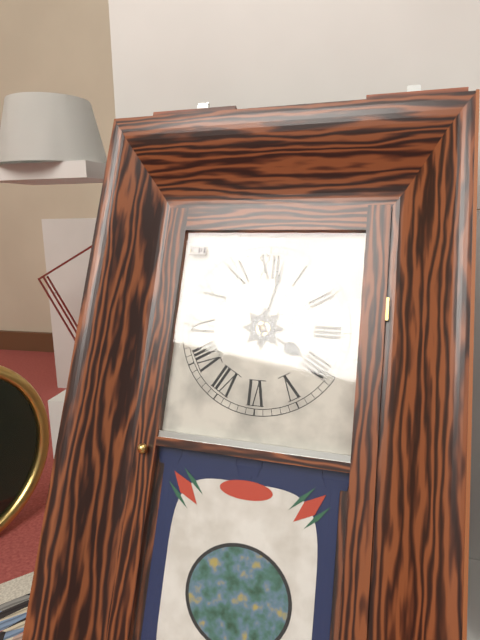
4:02
